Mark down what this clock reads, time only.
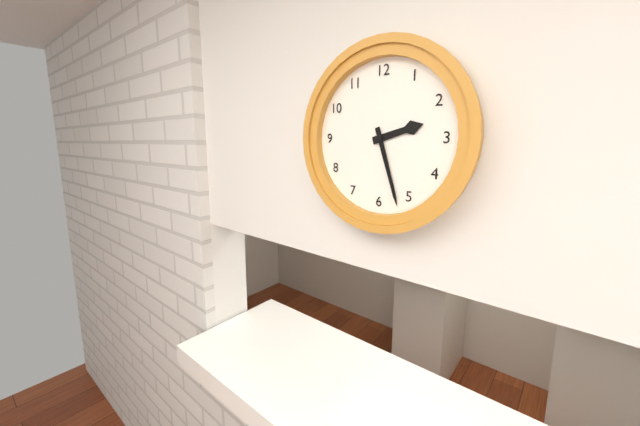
2:27
